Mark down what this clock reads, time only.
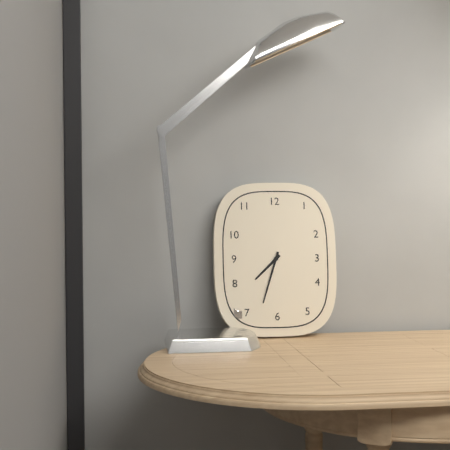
7:33
